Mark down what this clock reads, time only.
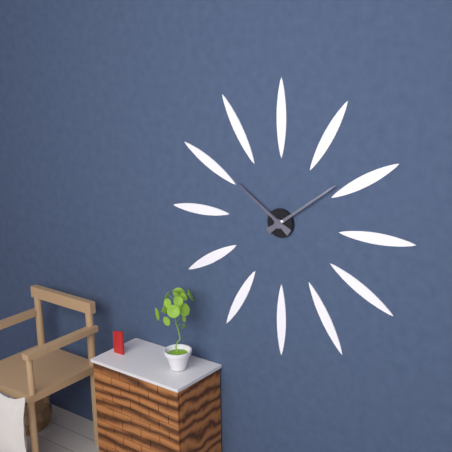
10:09
